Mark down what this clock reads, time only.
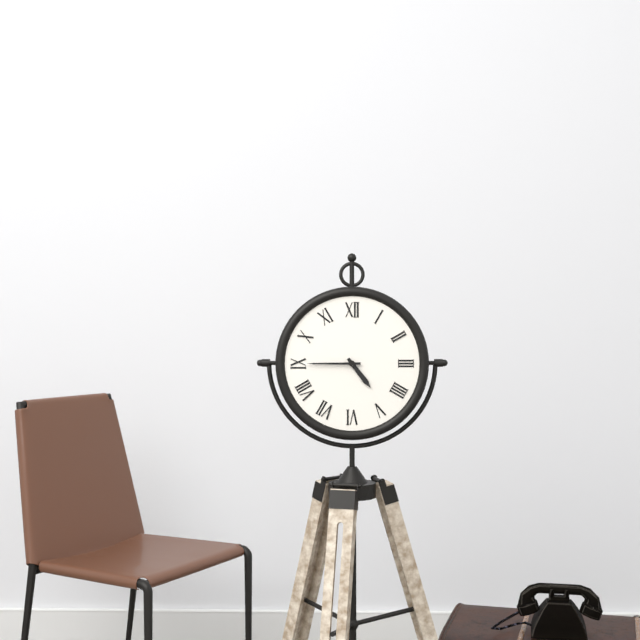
4:45
